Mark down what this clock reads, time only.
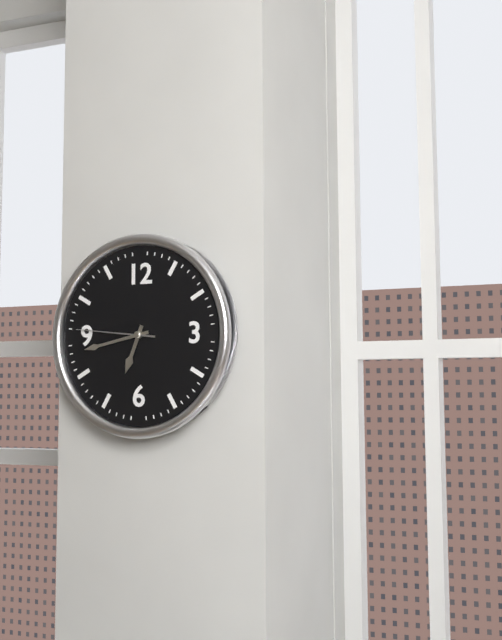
6:43:46
